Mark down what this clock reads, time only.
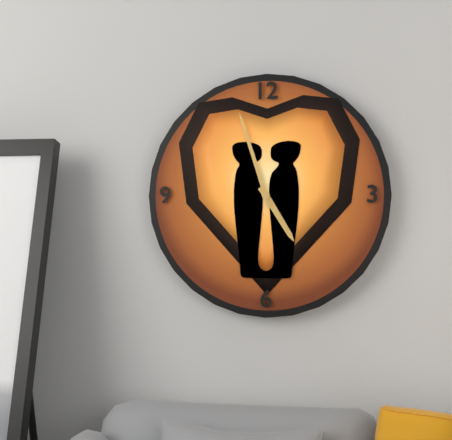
4:57
